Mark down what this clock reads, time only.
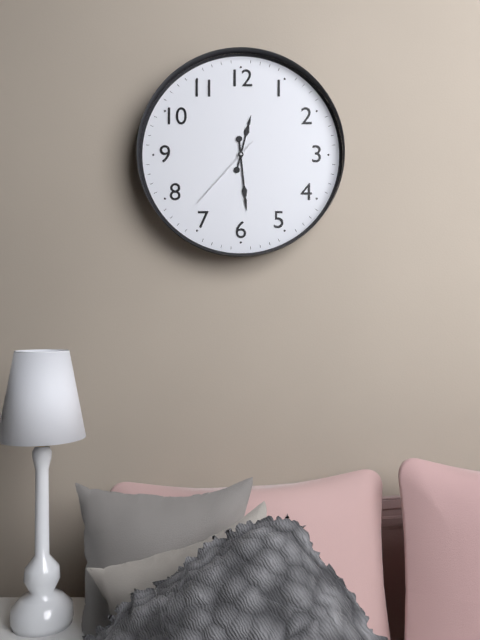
12:29:37
